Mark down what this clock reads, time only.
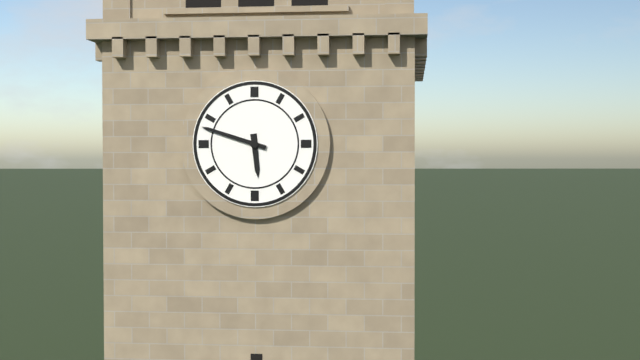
5:48
